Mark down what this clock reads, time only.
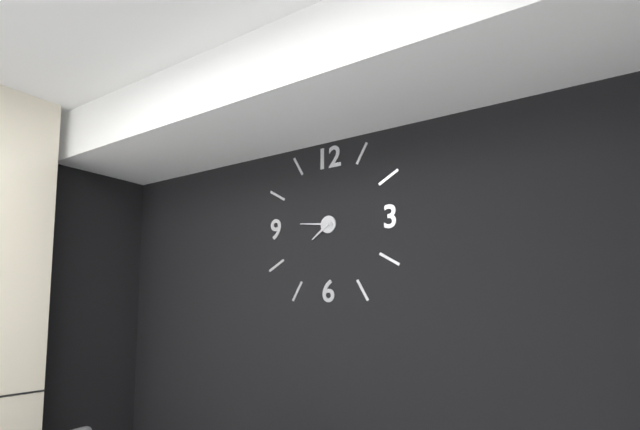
7:46
